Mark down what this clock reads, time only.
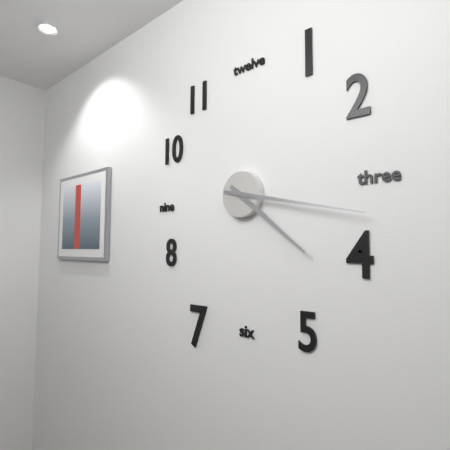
4:17
